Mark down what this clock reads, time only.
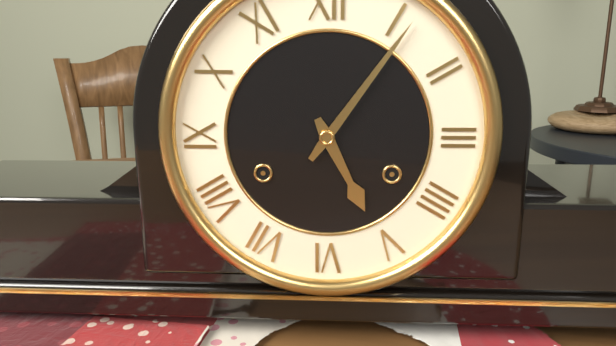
5:06
